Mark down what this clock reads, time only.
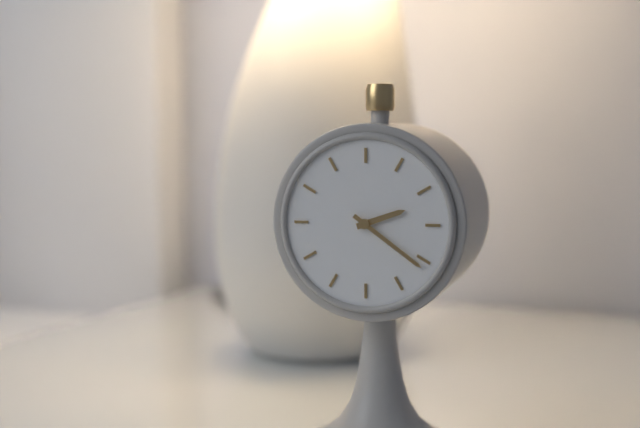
2:21
